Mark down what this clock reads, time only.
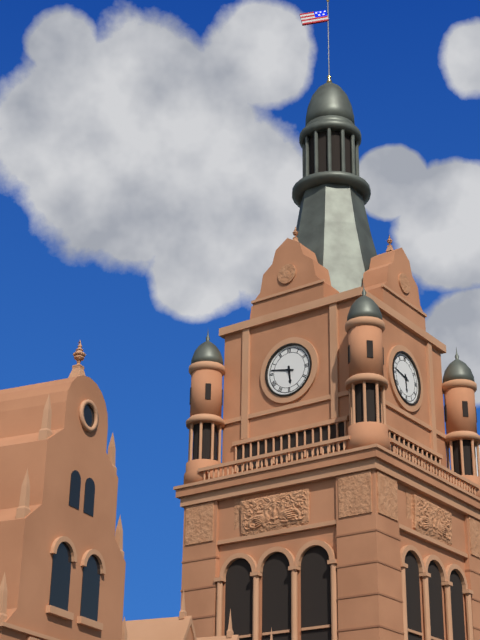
5:47
